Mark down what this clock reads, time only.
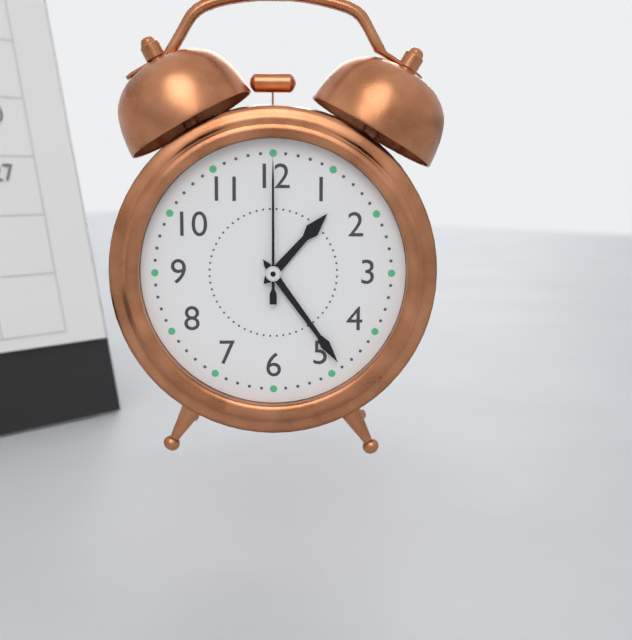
1:24:00
